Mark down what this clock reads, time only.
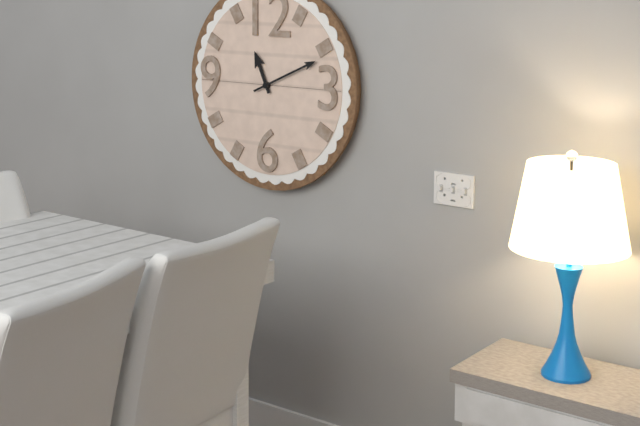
11:11
